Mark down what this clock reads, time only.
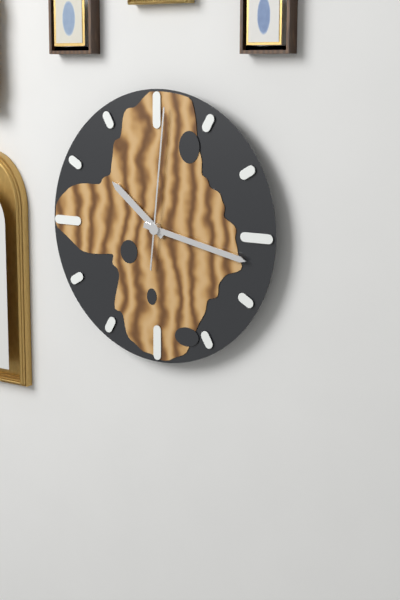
10:17:01
